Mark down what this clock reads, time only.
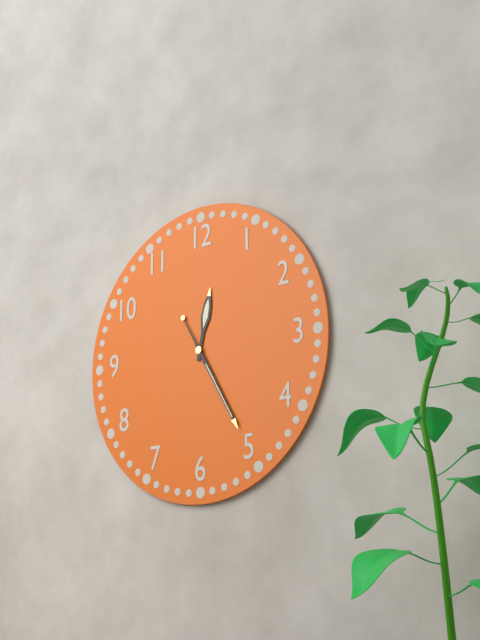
12:25
